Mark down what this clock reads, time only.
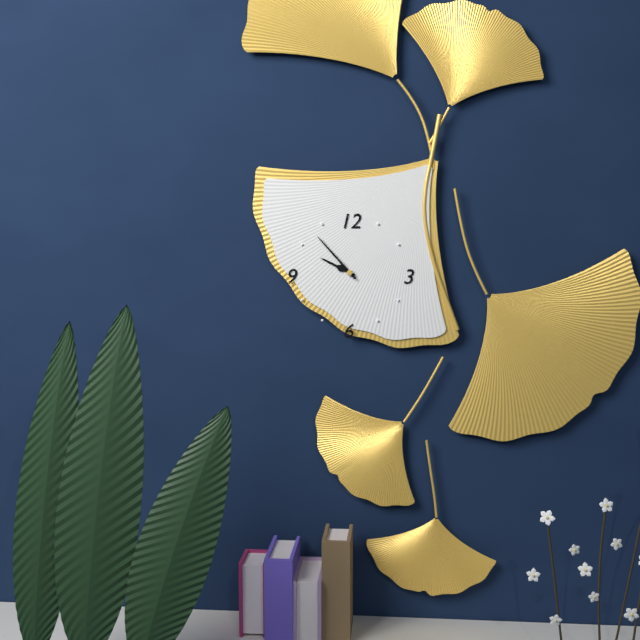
9:53
